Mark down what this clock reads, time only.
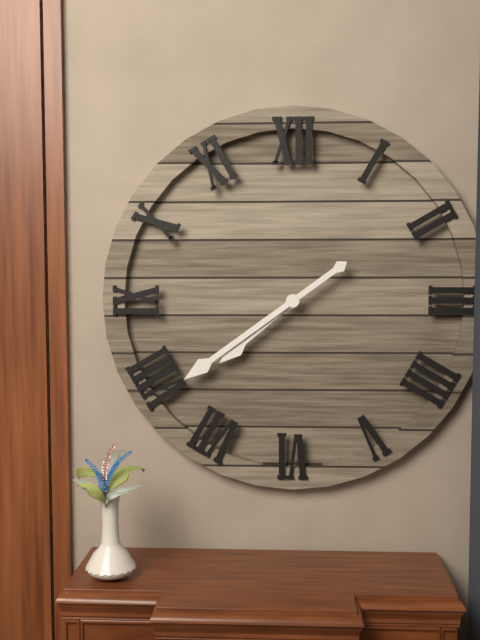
7:39
